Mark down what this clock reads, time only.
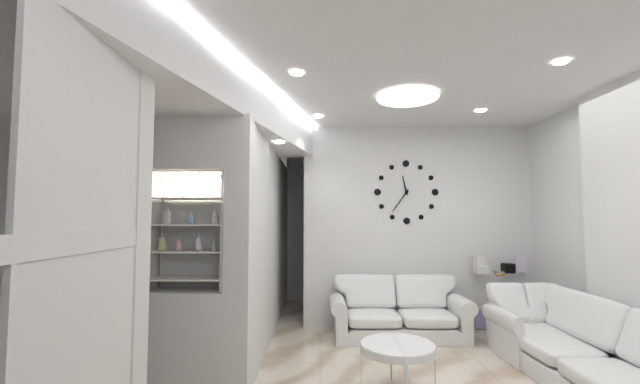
11:36
